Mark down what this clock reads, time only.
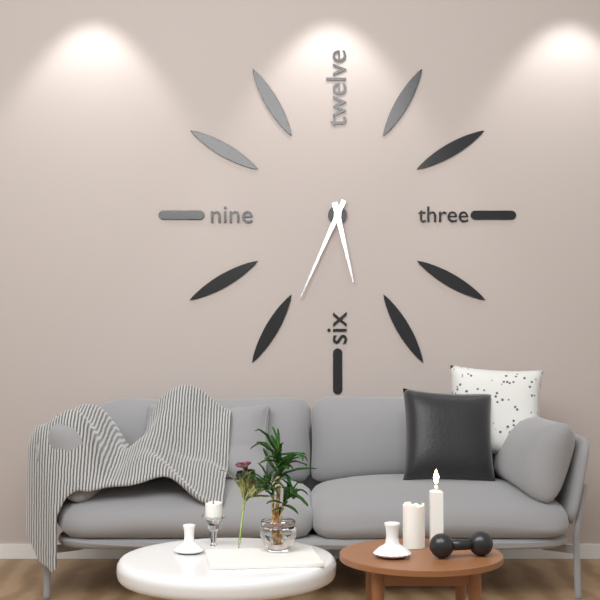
5:34
